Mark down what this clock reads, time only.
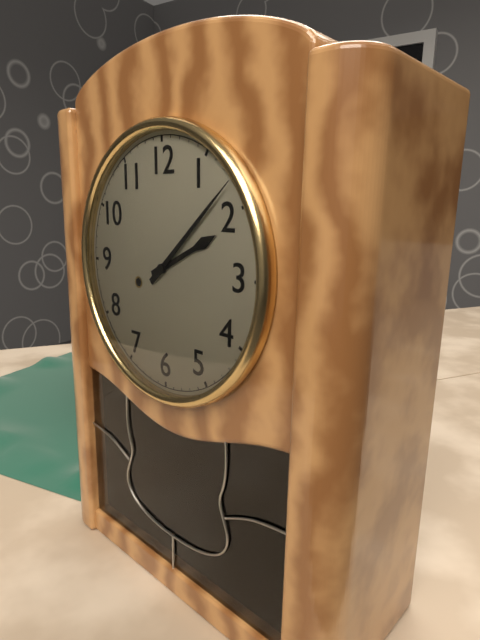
2:08
